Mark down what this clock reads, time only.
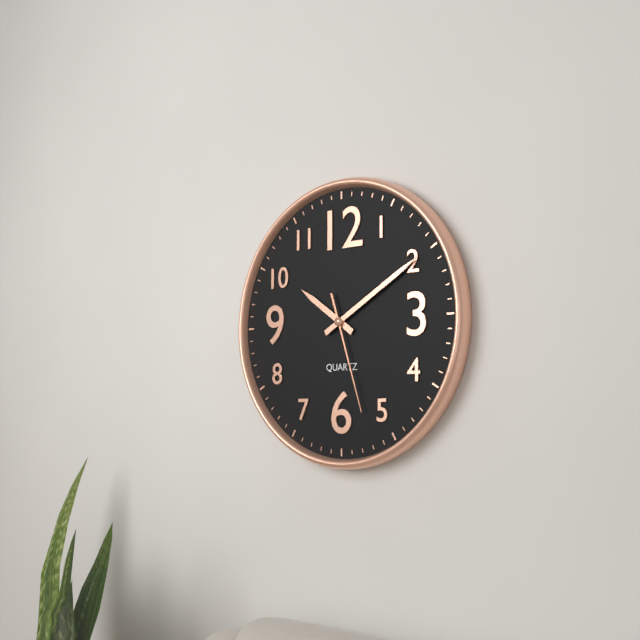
10:10:27
